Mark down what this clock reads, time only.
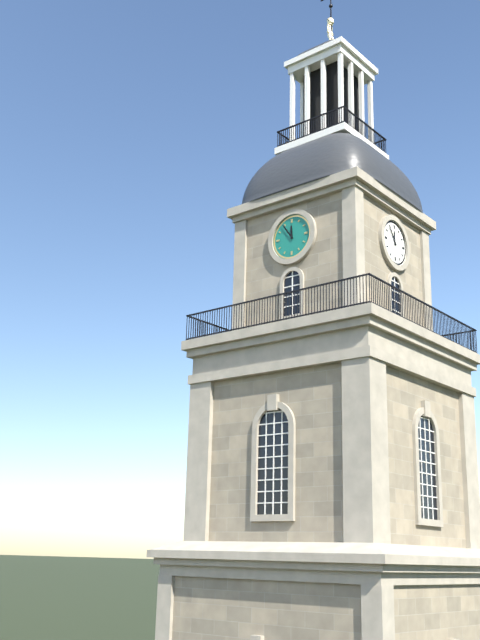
11:54
